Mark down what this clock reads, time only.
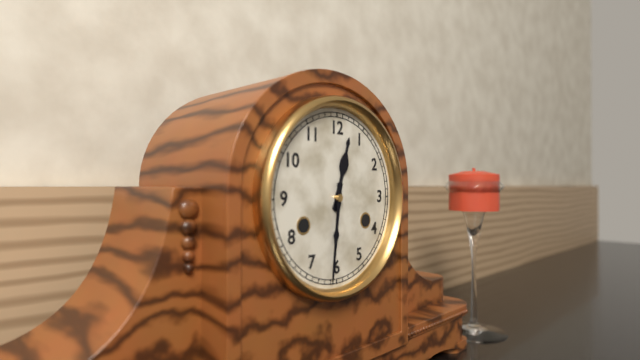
12:31
